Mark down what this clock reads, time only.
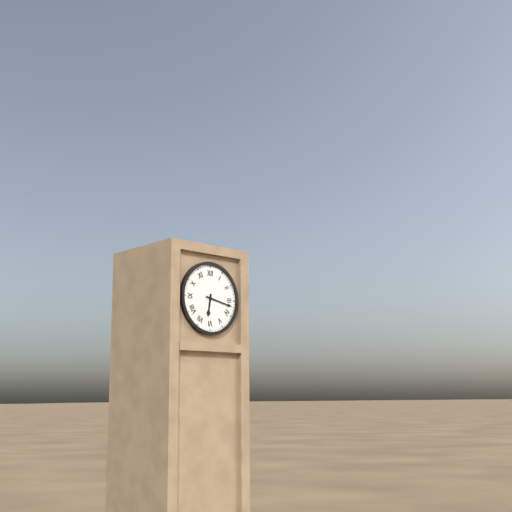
6:17
